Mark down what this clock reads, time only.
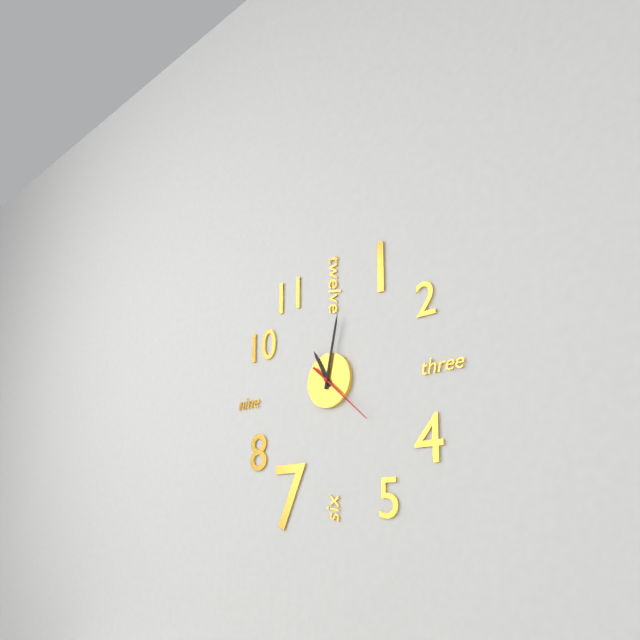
11:02:22
